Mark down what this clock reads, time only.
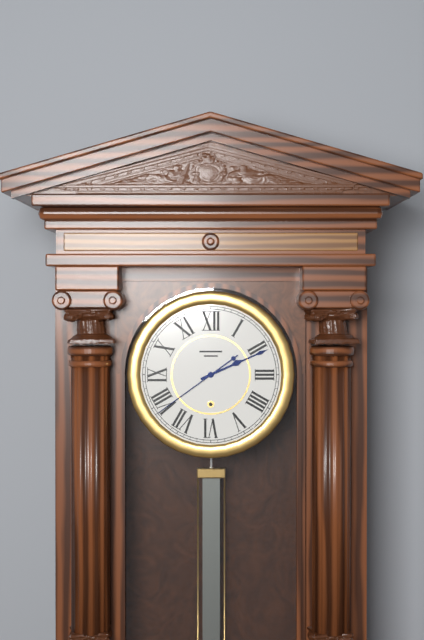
2:11:39
